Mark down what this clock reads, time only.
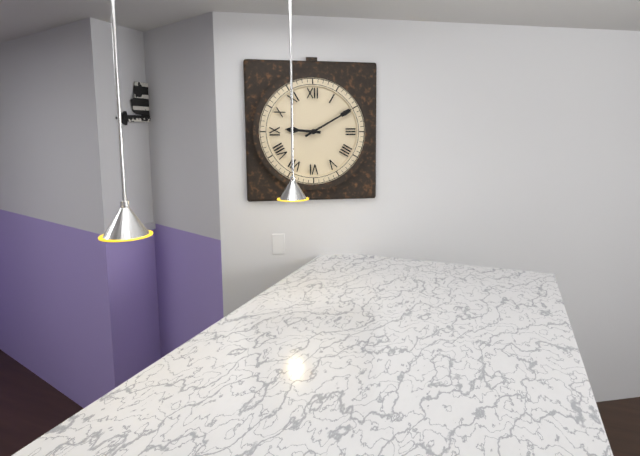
9:10
